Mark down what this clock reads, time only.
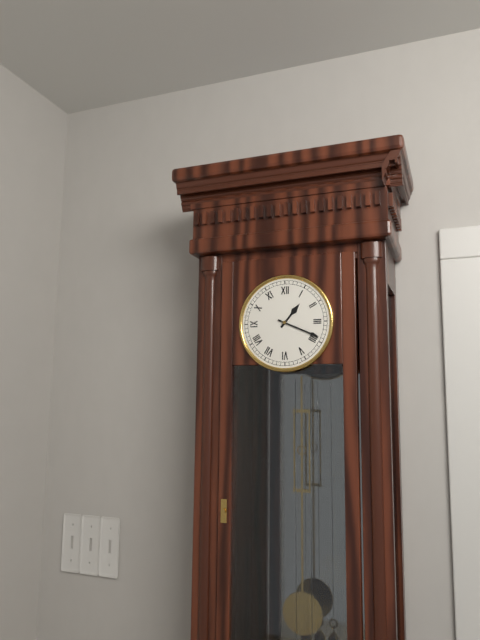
1:19
